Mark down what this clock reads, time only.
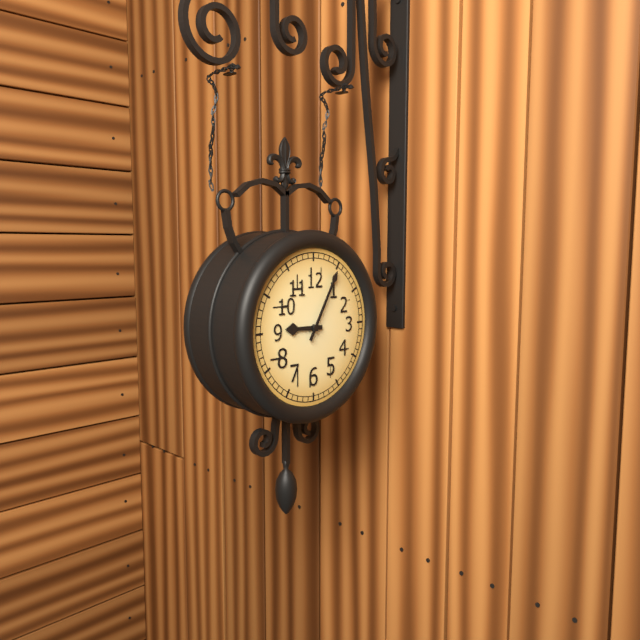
9:05
